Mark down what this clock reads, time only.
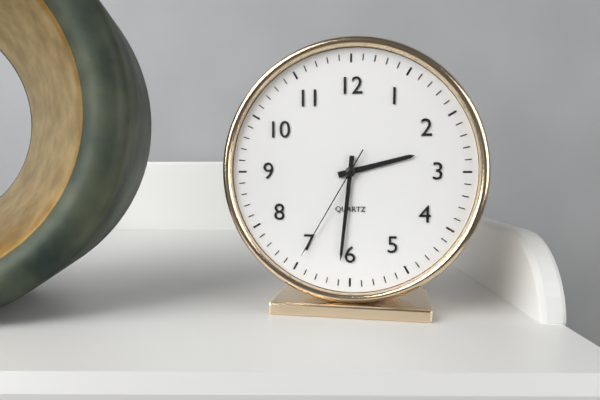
2:31:35
